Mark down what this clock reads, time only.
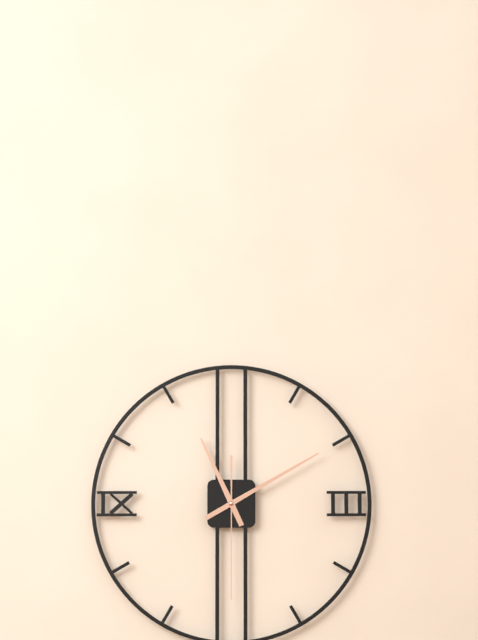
11:10:30
